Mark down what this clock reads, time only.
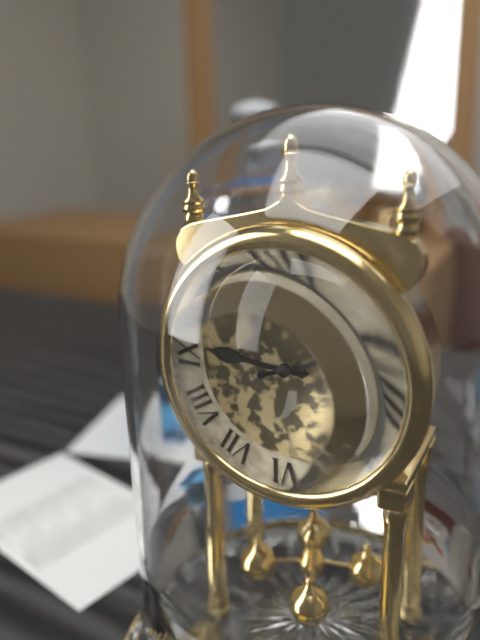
9:12
